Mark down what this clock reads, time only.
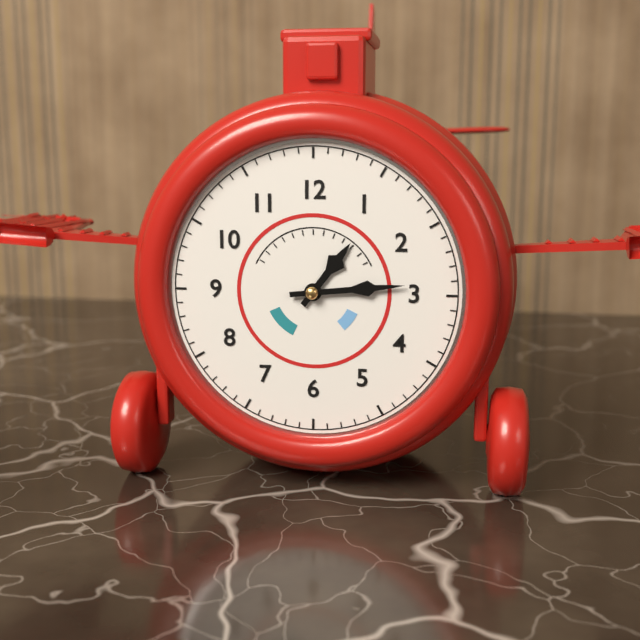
1:14
